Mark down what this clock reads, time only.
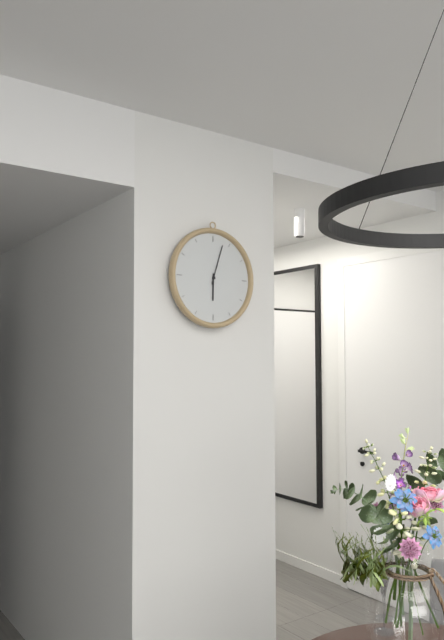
6:03
